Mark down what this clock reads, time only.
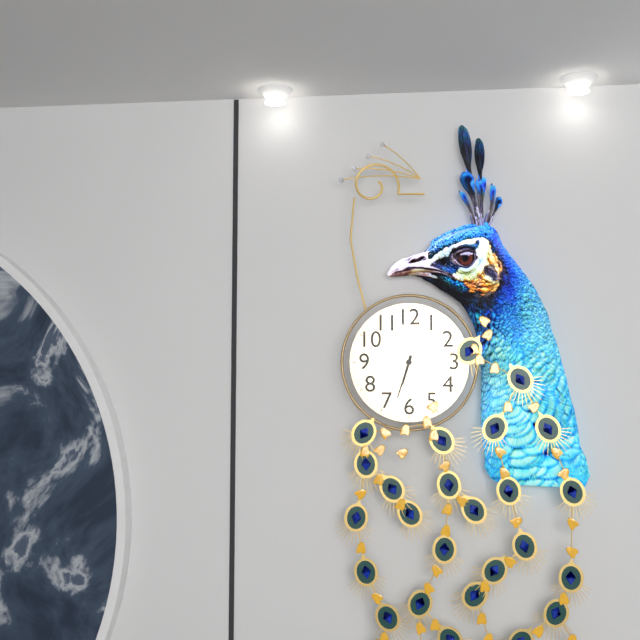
6:33
